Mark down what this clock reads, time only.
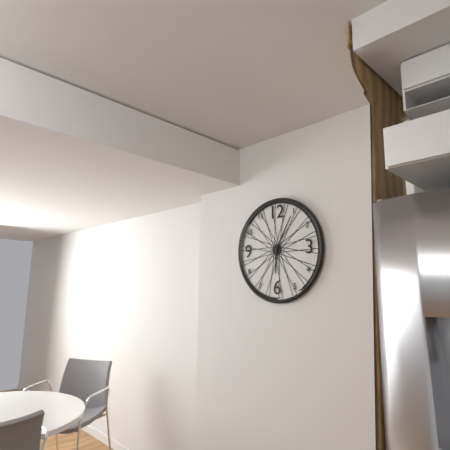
6:05
